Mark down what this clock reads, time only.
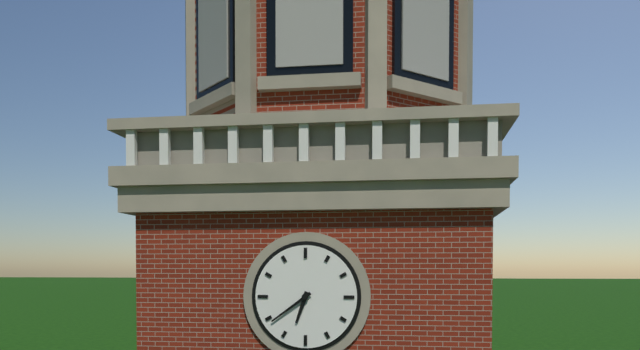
6:39
